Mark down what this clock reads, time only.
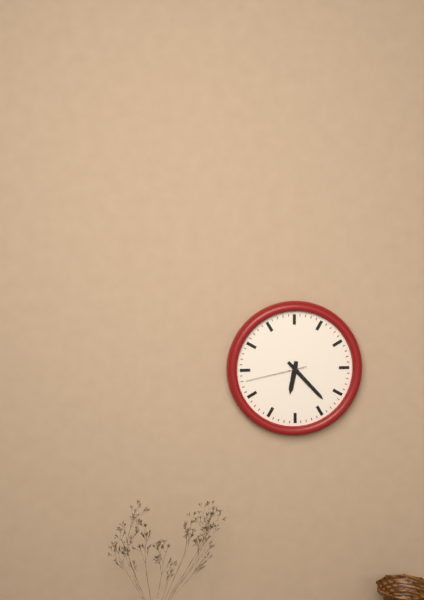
6:23:43
